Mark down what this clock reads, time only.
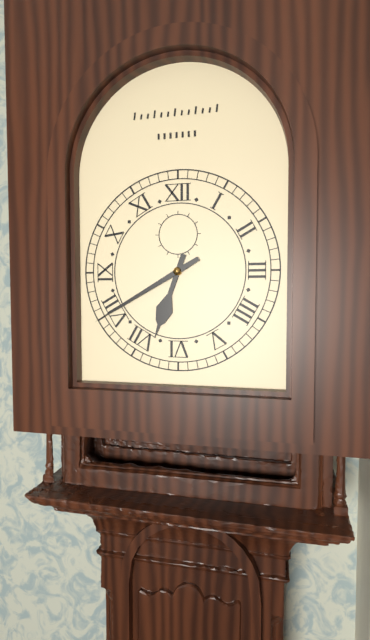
6:40
